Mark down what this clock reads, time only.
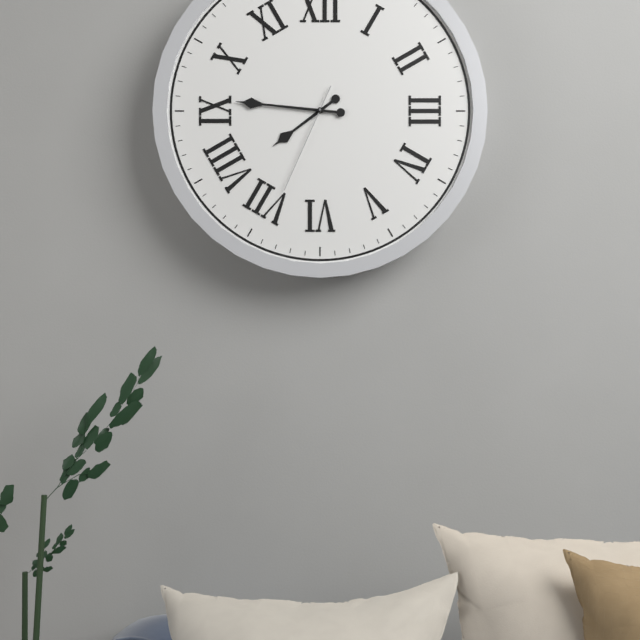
7:46:34
